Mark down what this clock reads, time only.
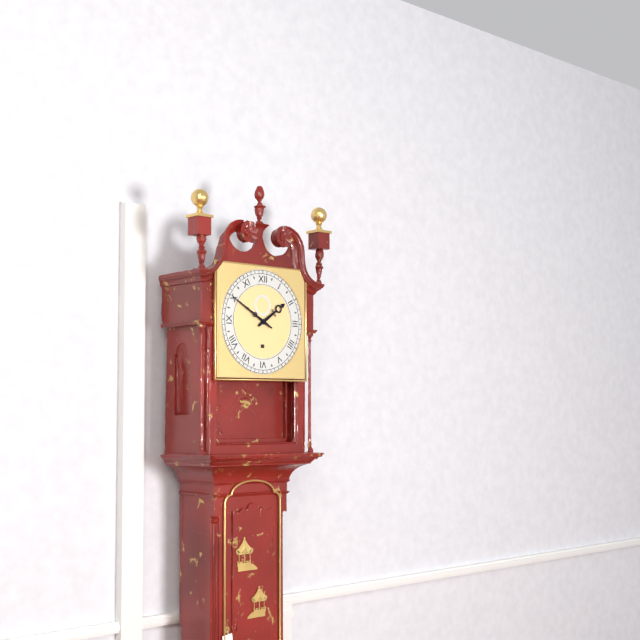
1:50
